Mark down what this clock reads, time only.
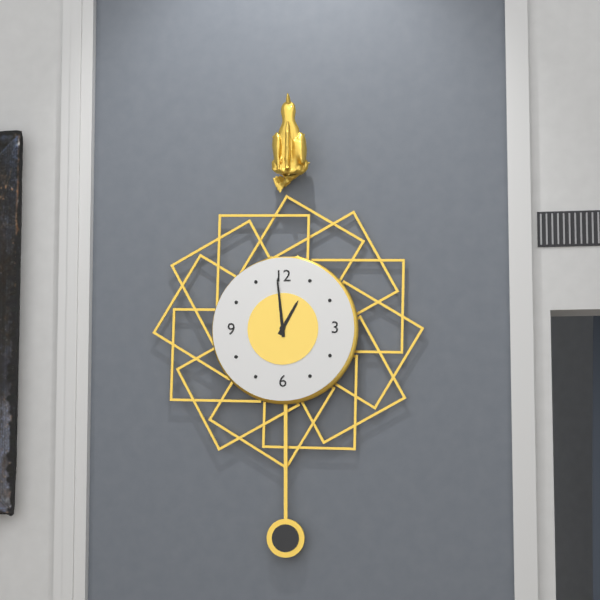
12:59
